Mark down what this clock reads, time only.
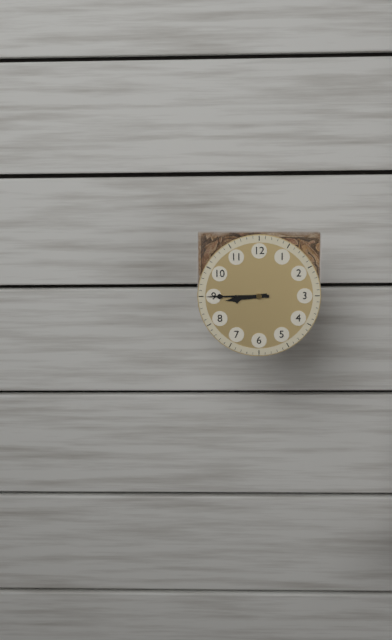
8:45
